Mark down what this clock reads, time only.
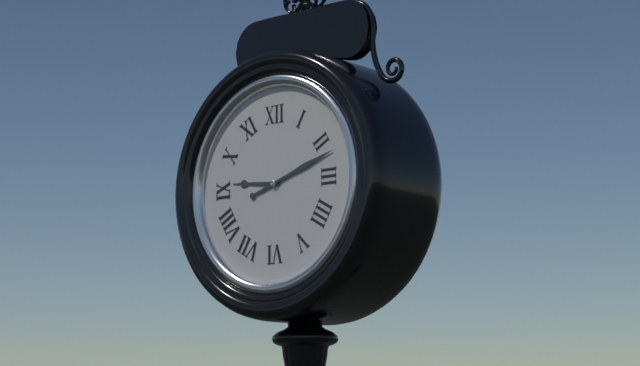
9:12
